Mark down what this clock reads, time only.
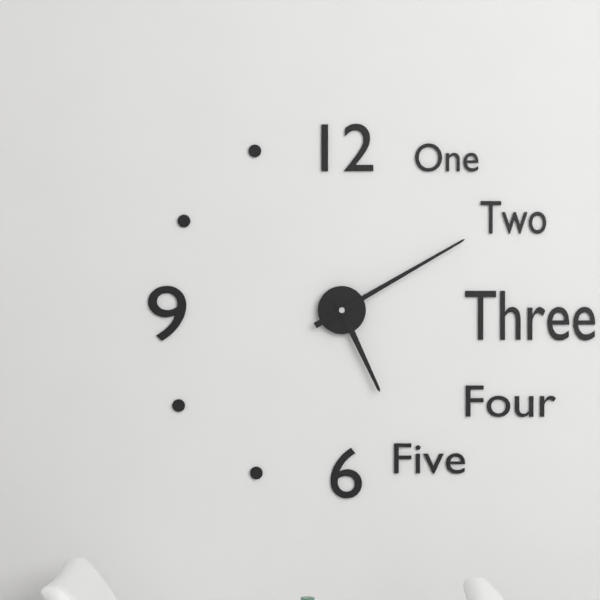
5:10
